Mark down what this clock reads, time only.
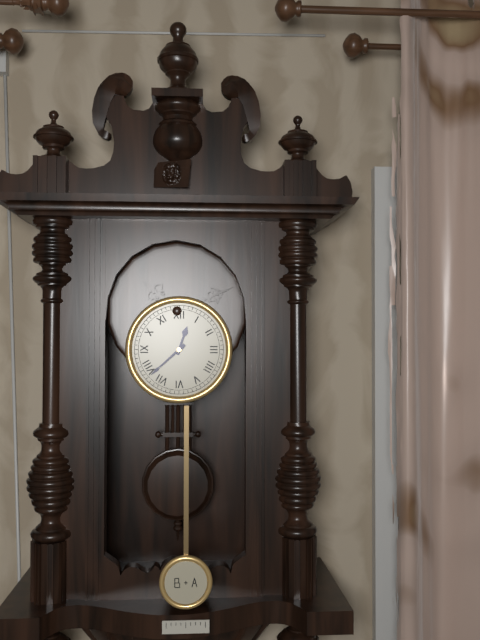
12:38
